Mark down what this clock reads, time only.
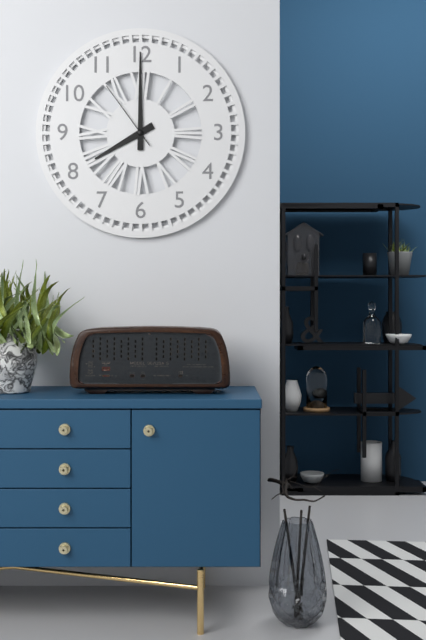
8:00:54
